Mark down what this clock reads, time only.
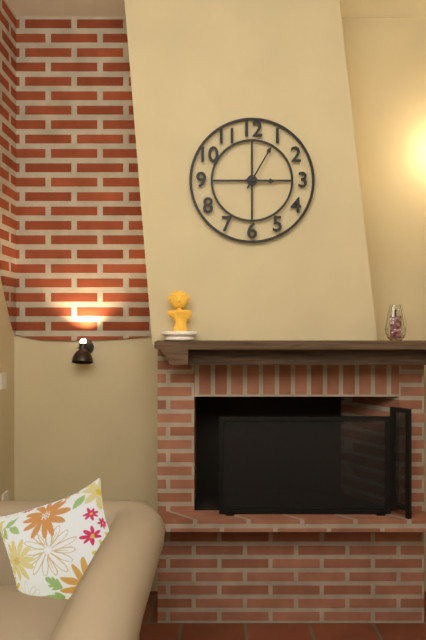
3:05
